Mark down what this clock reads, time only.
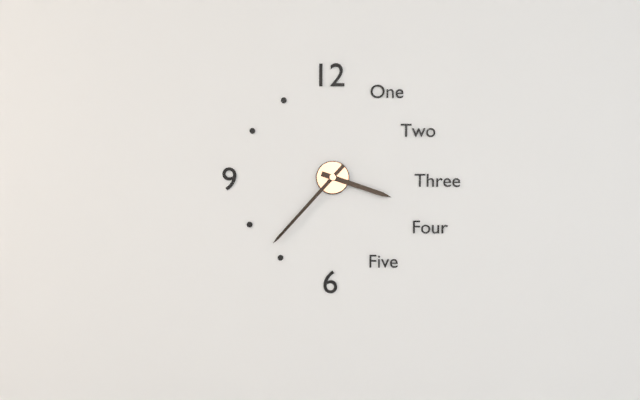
3:37
